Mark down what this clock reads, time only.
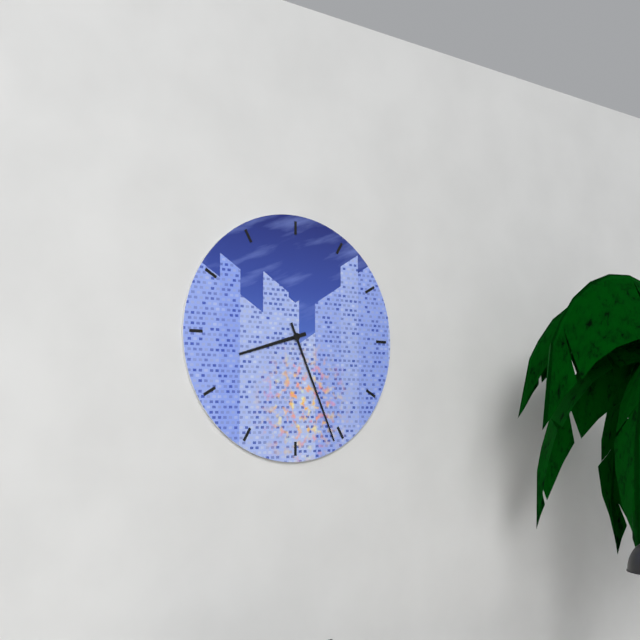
8:26
